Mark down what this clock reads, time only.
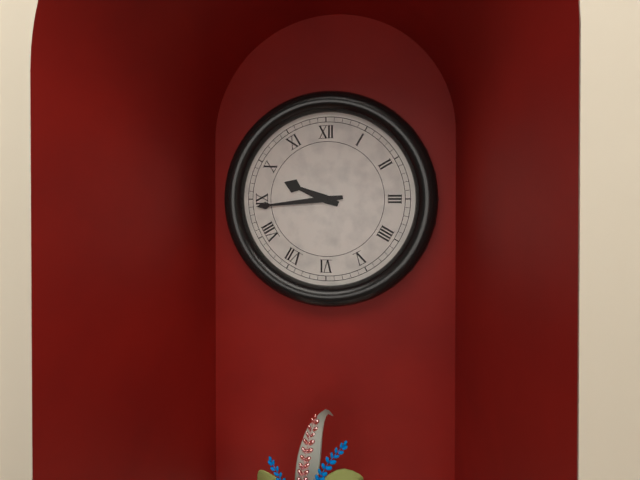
9:44
